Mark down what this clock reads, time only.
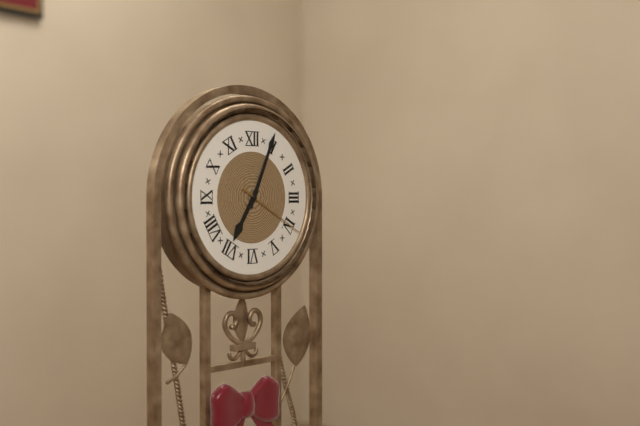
7:04:20
